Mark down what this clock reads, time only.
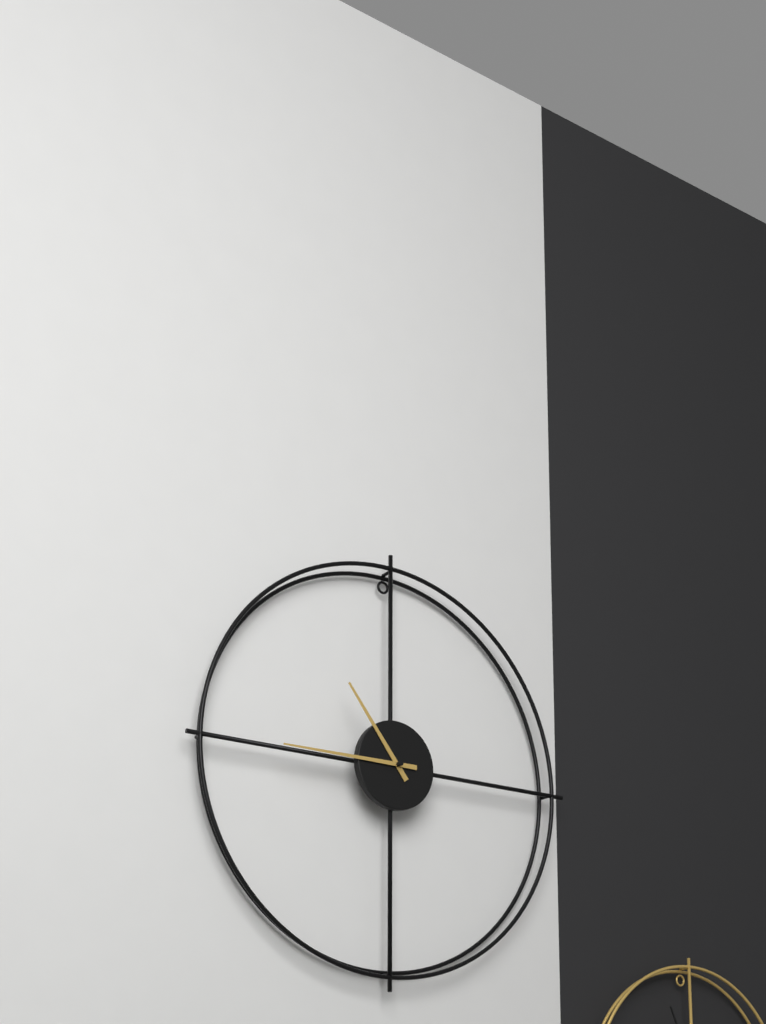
10:45
